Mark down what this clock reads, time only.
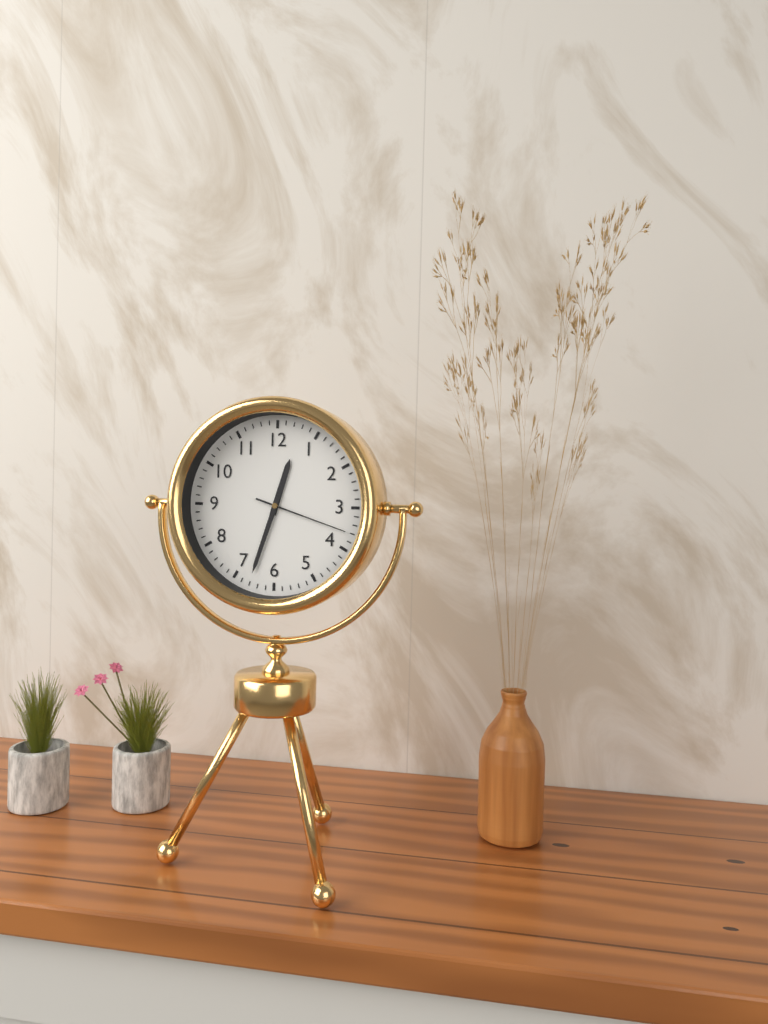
12:33:18
